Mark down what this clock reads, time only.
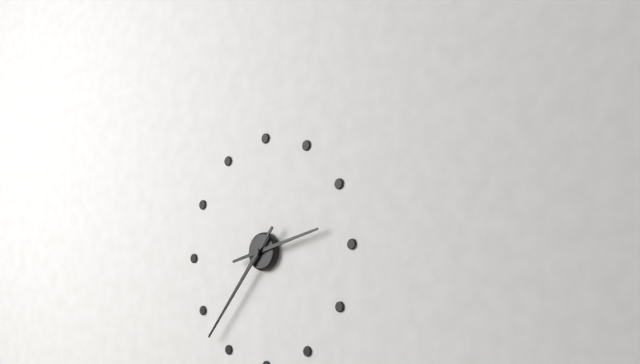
2:37
